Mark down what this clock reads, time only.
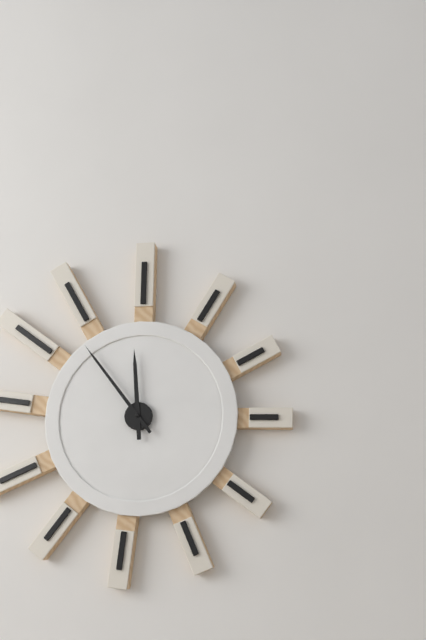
11:54
